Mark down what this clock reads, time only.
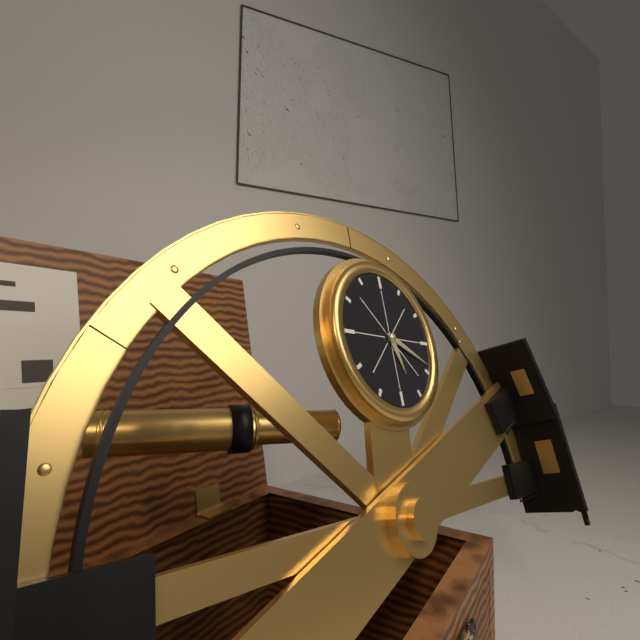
5:19
